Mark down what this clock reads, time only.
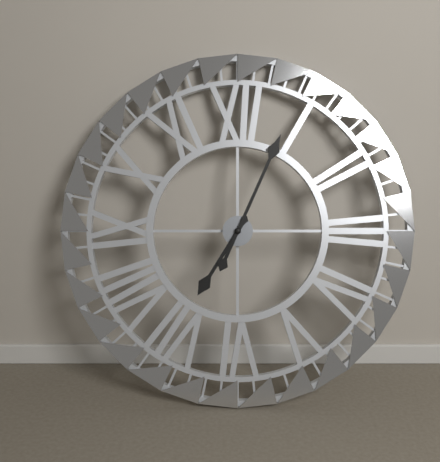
7:04
